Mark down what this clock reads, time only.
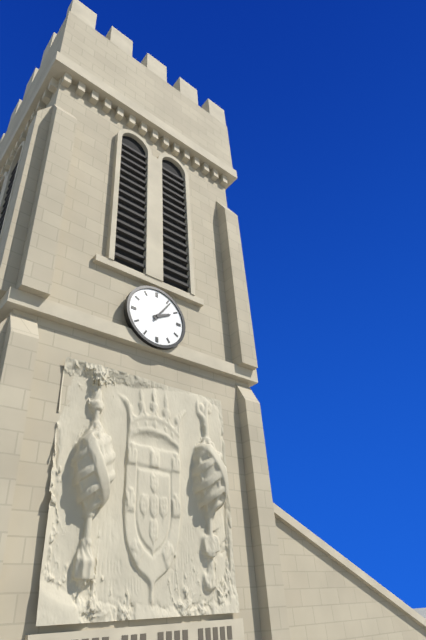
2:06
